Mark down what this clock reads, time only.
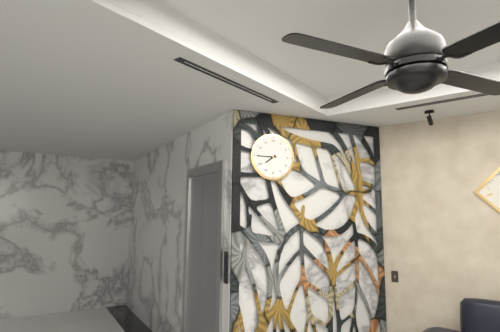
7:45
